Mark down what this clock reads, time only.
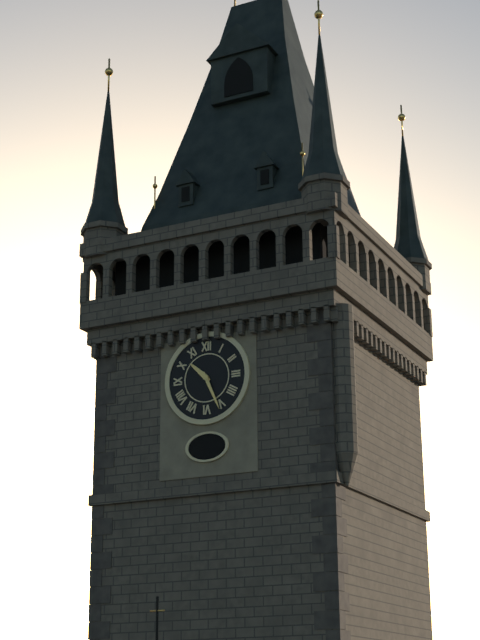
10:26
